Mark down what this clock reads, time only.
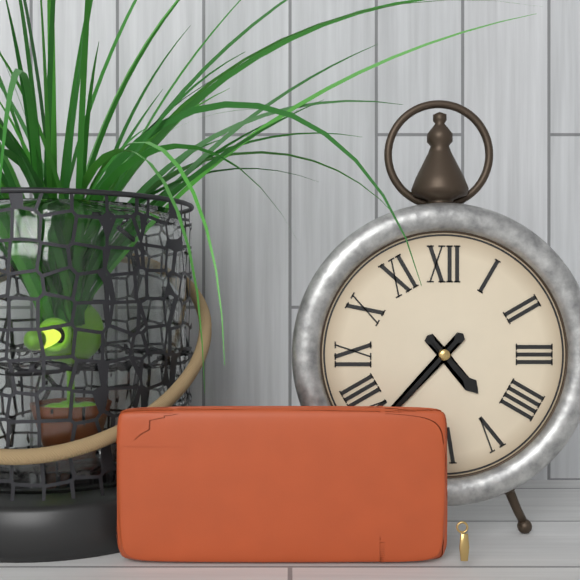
4:37
